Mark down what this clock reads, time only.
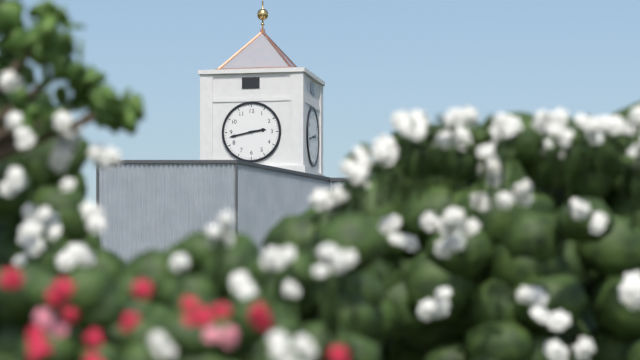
2:43
